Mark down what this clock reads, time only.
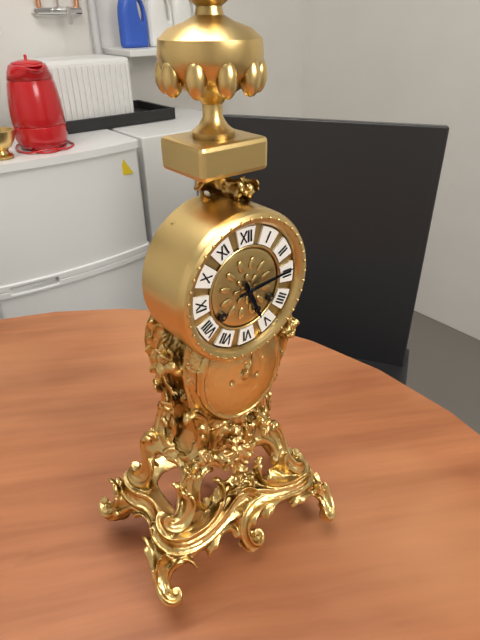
5:14
